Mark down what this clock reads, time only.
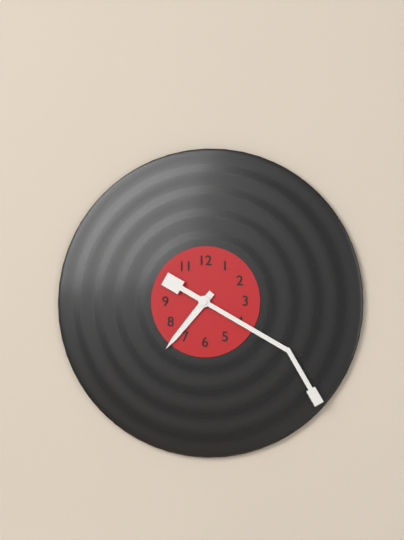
7:20
